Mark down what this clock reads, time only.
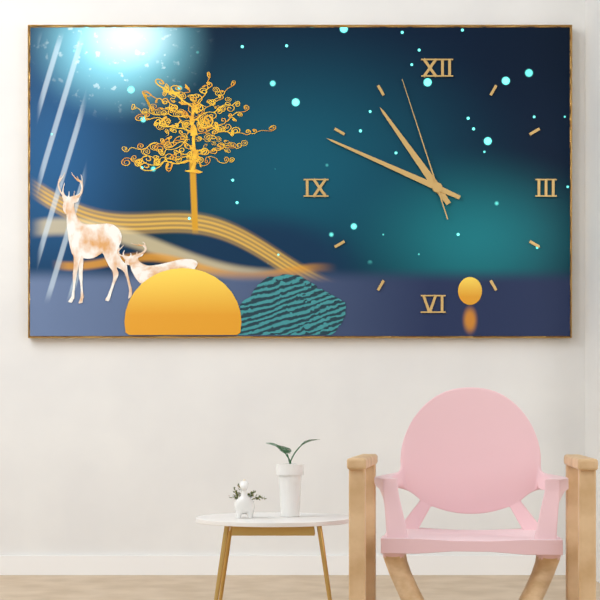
10:49:57
